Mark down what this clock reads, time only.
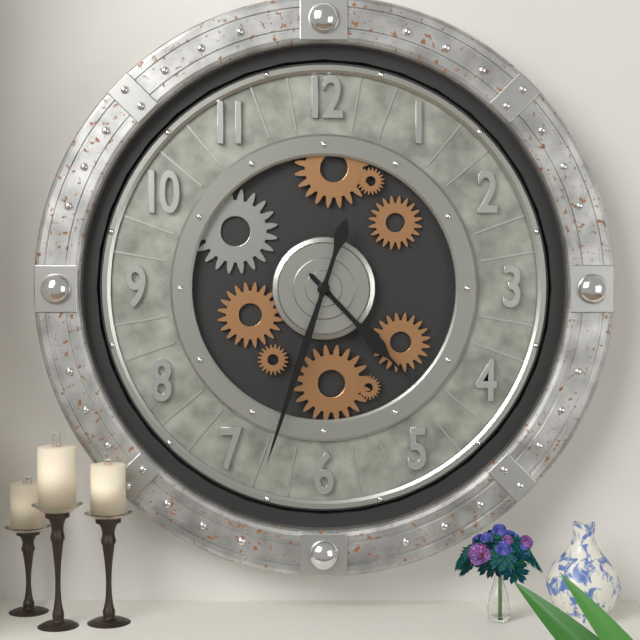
4:33
